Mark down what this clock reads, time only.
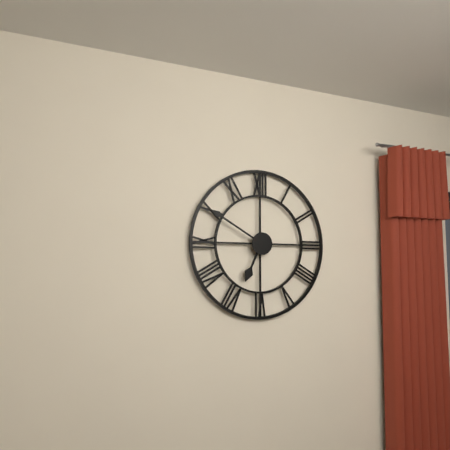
6:50
